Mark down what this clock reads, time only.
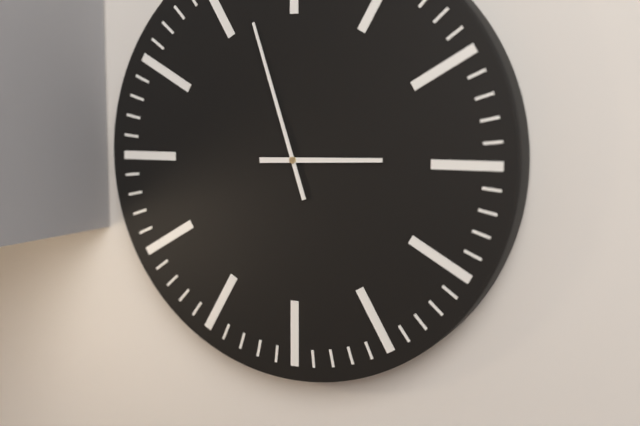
2:57
